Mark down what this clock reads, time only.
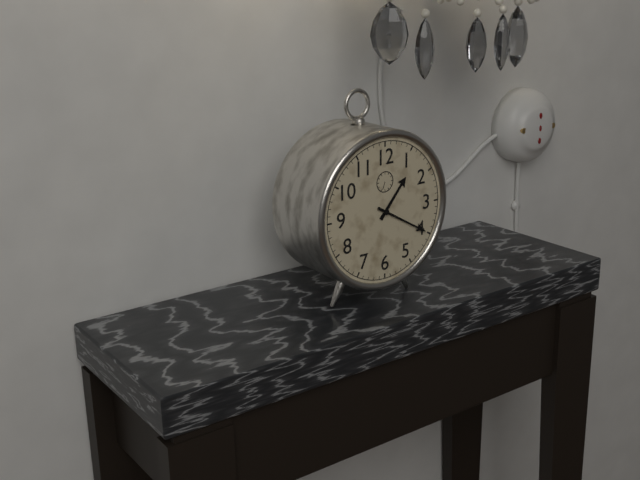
1:20
